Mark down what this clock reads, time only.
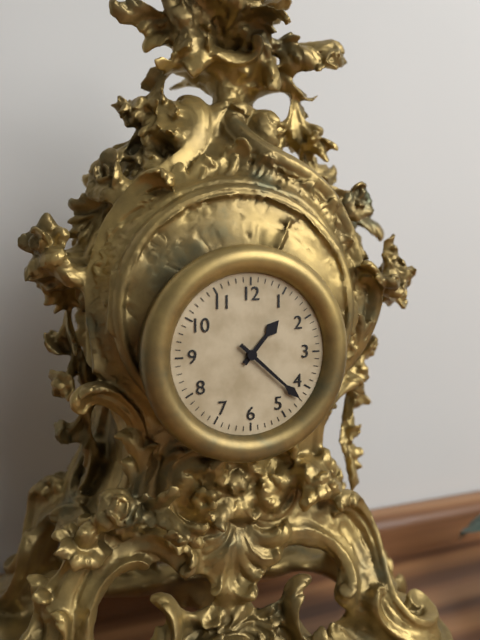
1:22
